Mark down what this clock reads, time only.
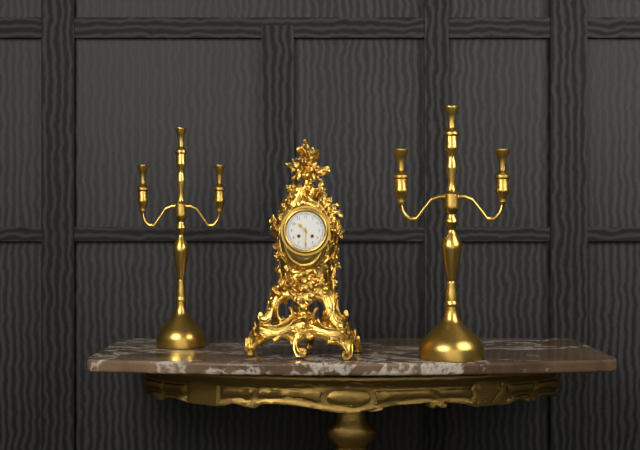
10:30
